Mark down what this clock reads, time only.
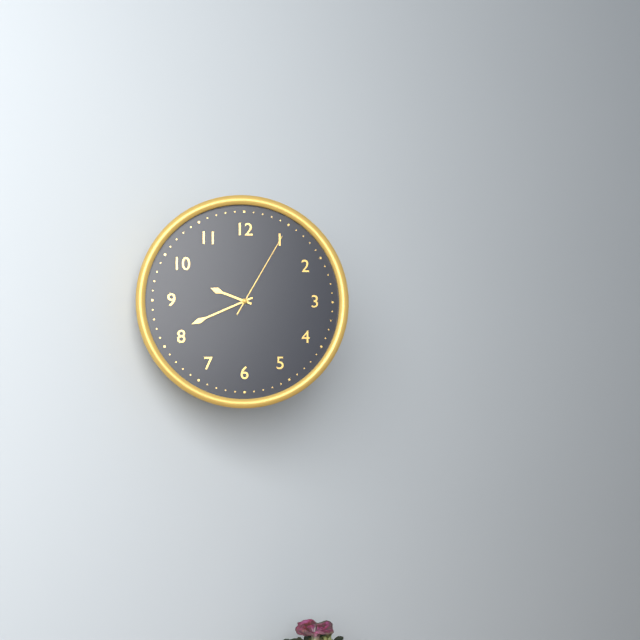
9:41:05
